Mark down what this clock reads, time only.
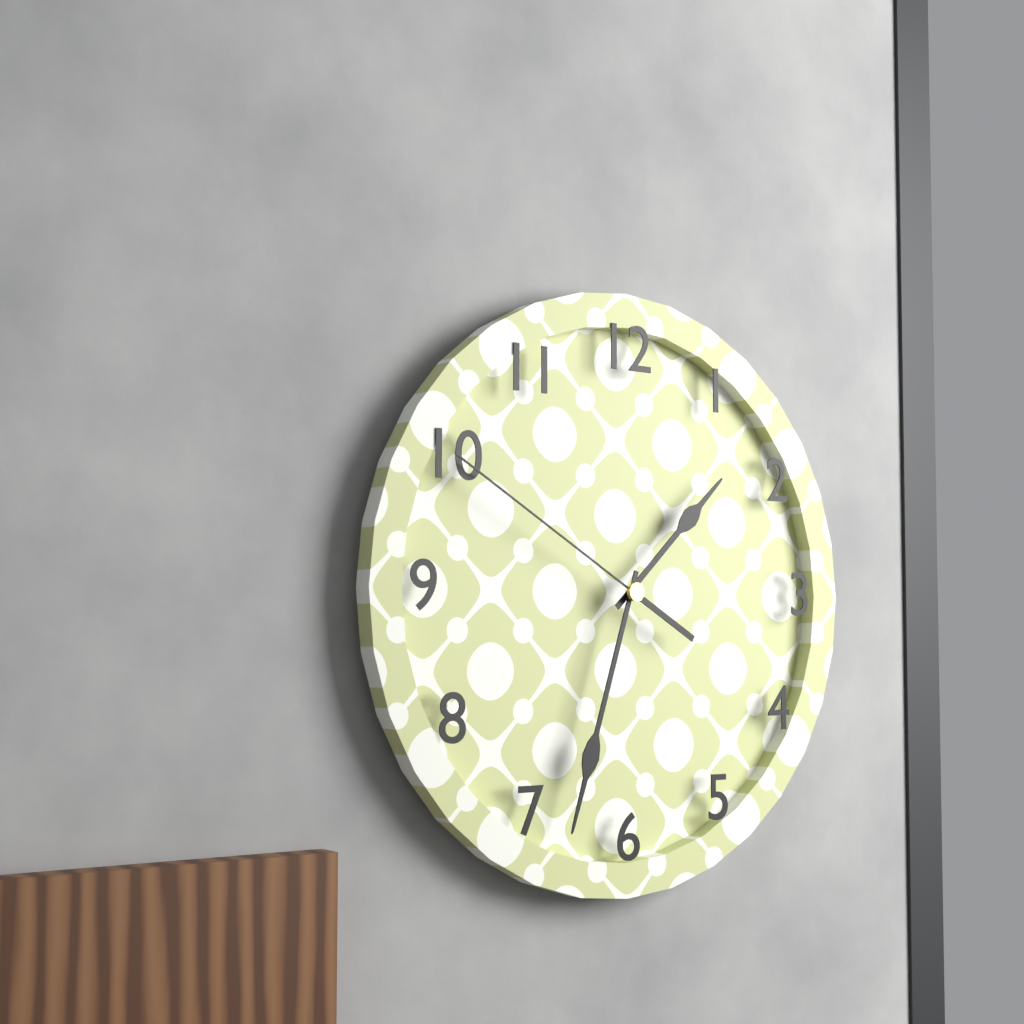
1:33:50
